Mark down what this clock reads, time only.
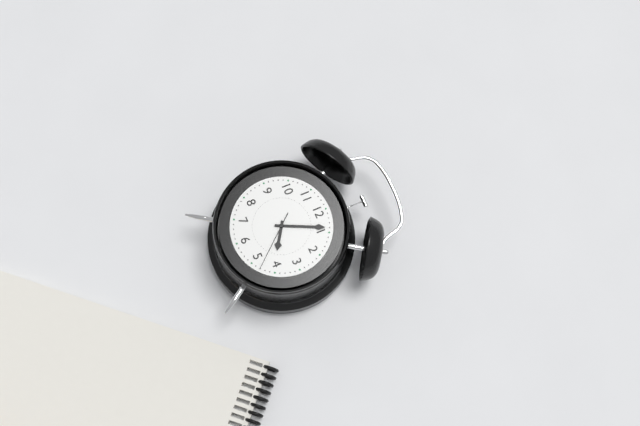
4:04:23
